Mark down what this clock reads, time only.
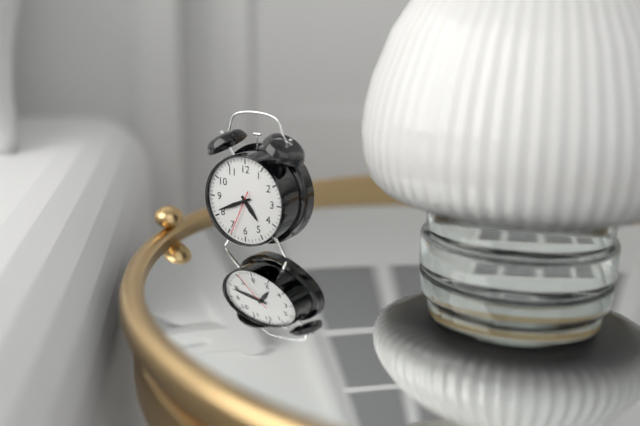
4:41:34
